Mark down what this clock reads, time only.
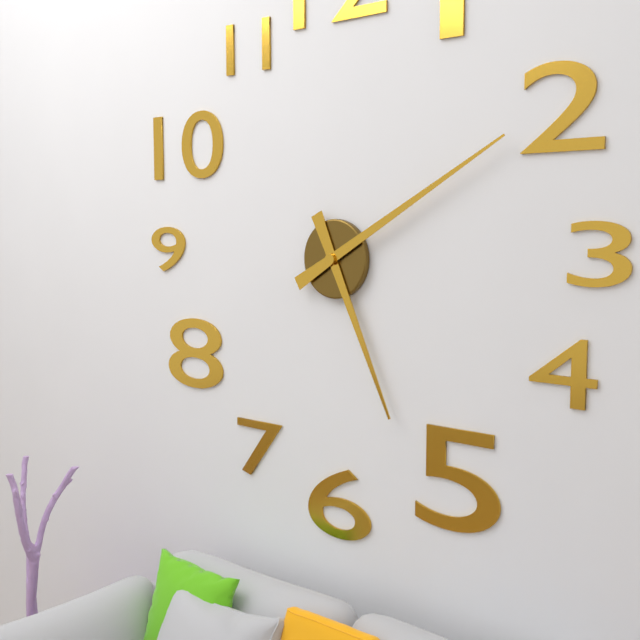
5:10
